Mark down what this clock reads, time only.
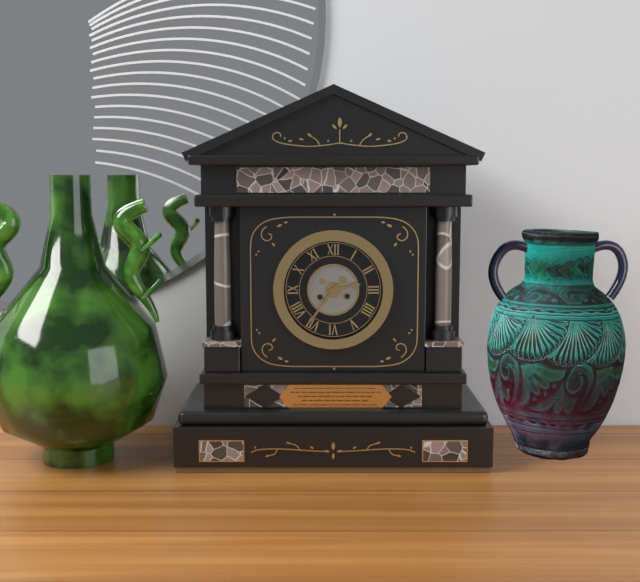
2:36
